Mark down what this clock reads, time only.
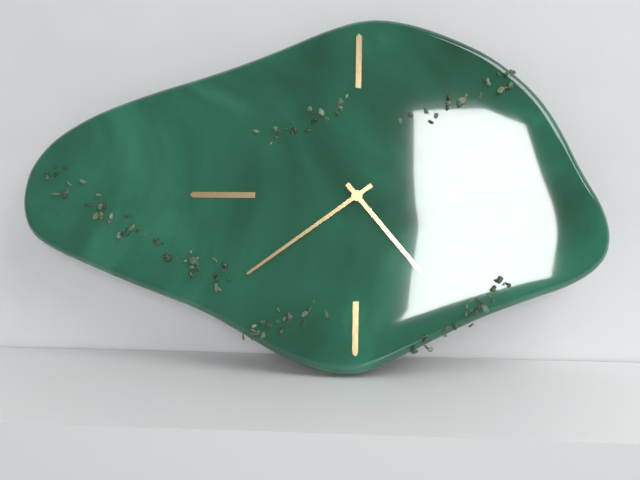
4:39
